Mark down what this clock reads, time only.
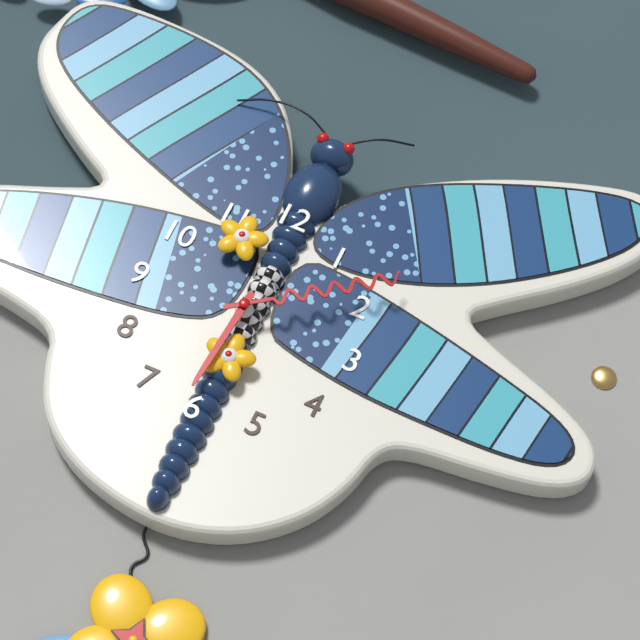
6:09
